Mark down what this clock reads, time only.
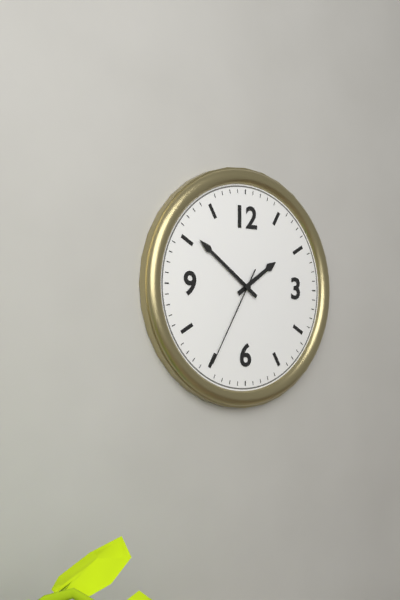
1:51:35
